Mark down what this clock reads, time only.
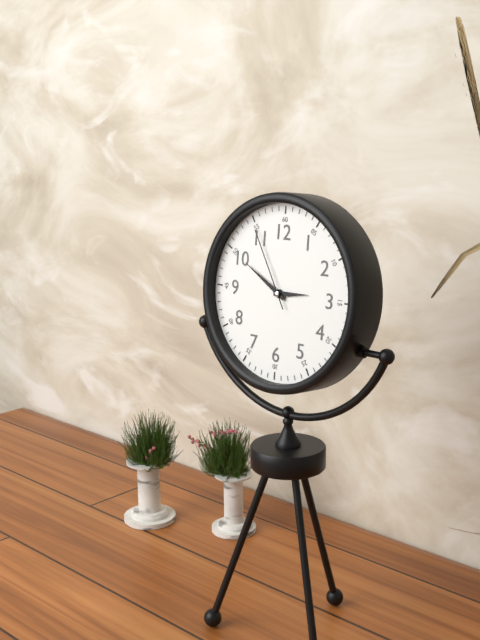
2:50:55
